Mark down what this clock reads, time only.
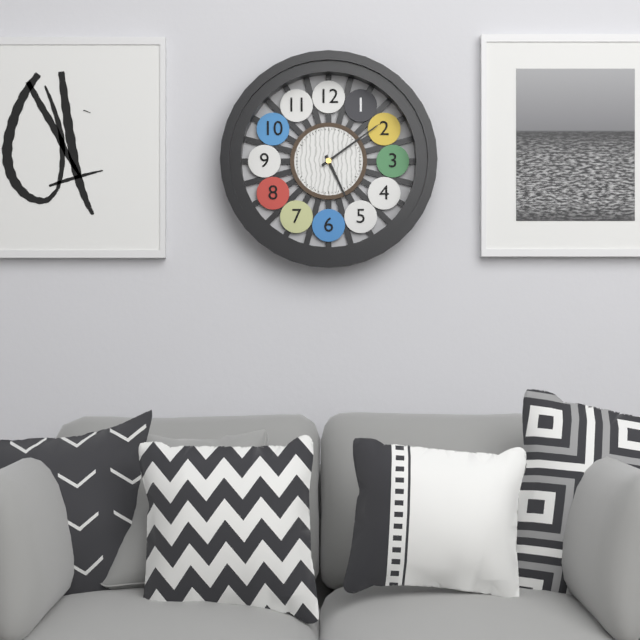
5:09
